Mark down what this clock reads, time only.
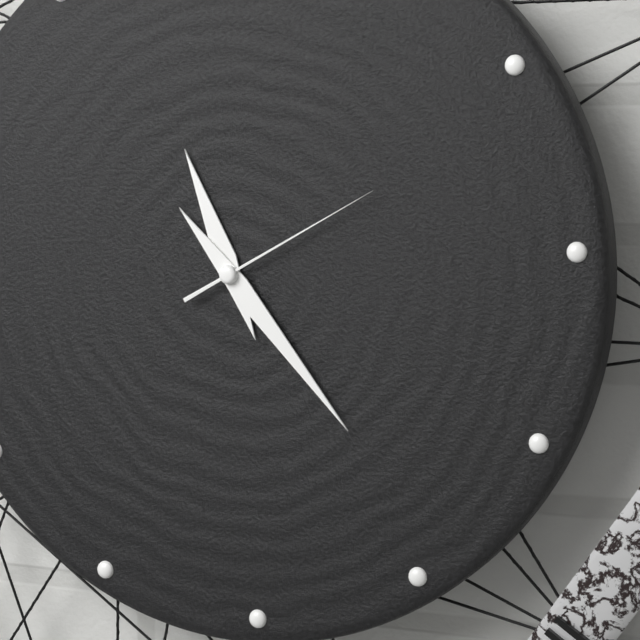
11:24:11
